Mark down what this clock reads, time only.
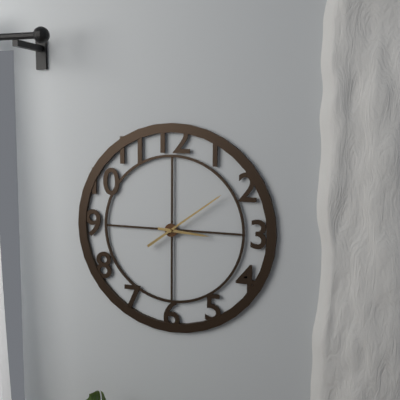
3:09
